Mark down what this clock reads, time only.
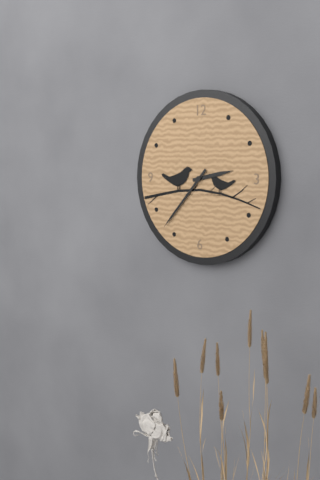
2:37
